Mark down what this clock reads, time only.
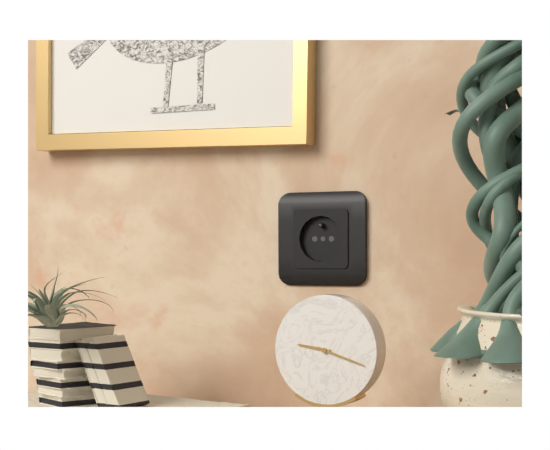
9:18
